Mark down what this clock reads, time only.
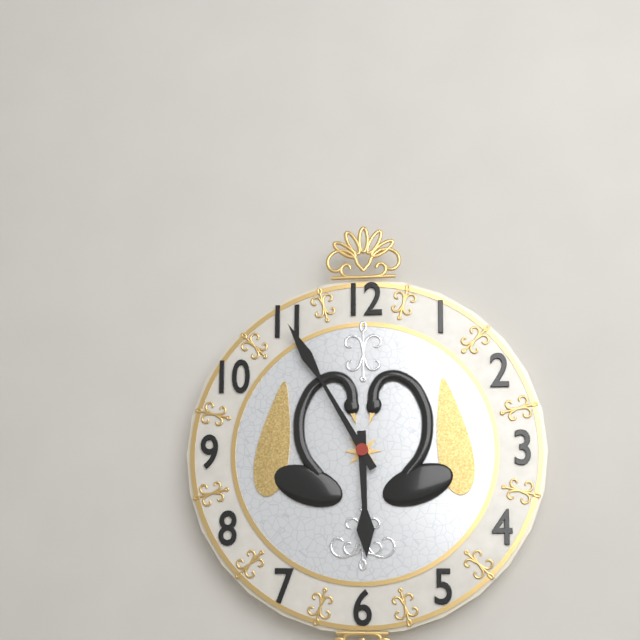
5:55
